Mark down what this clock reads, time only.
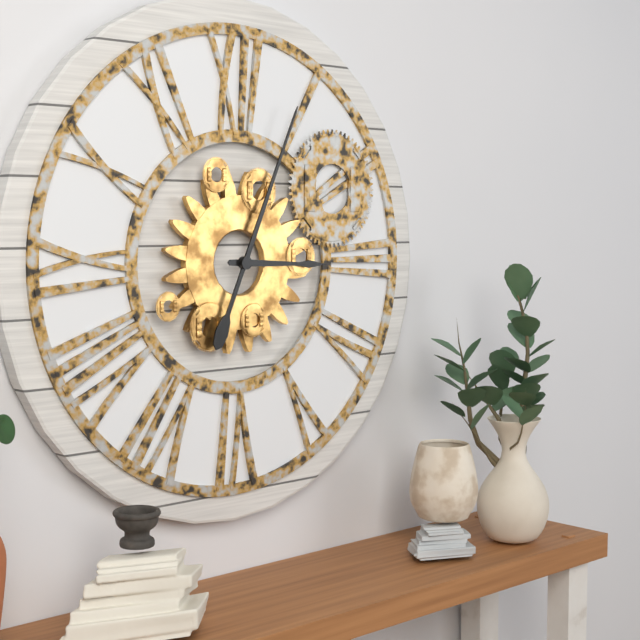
3:04
